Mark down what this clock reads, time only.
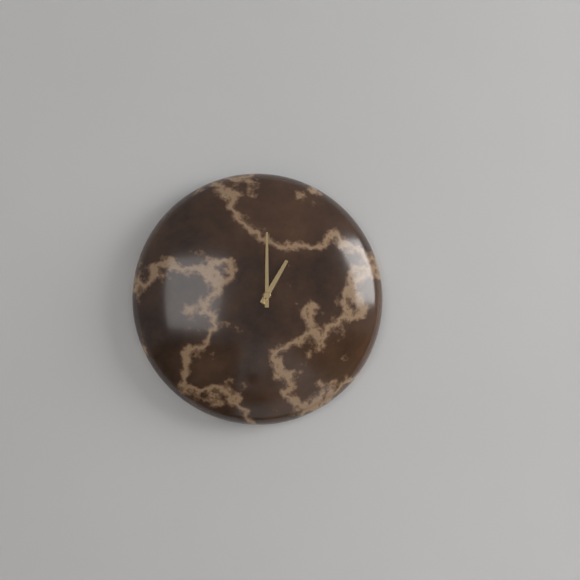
1:00
